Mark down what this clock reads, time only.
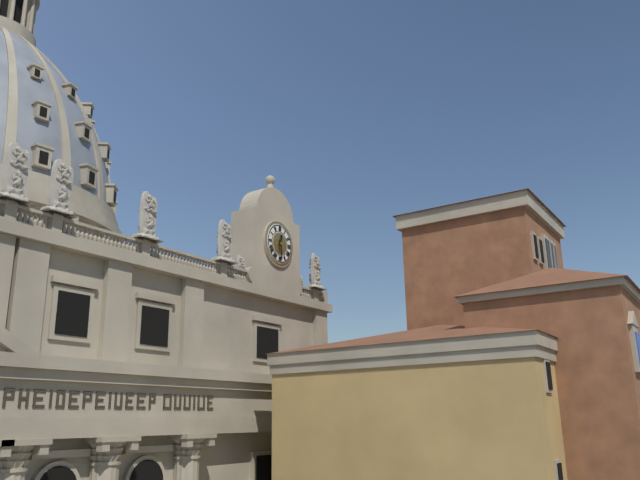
12:29
